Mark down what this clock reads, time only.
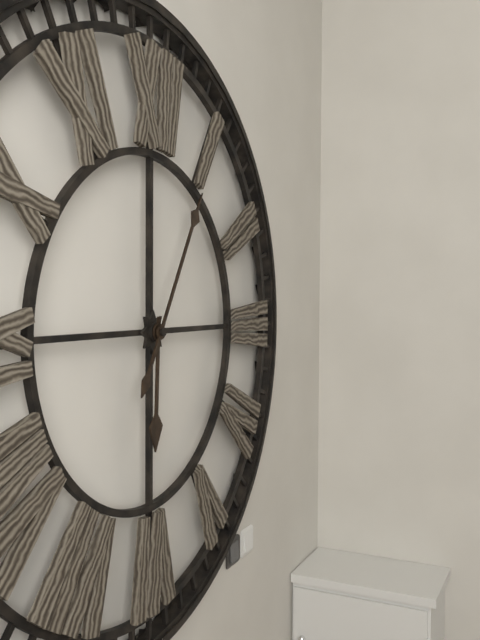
6:05
